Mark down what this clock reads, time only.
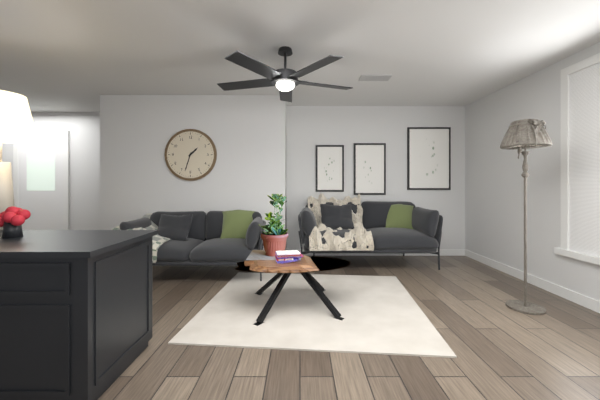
1:33
